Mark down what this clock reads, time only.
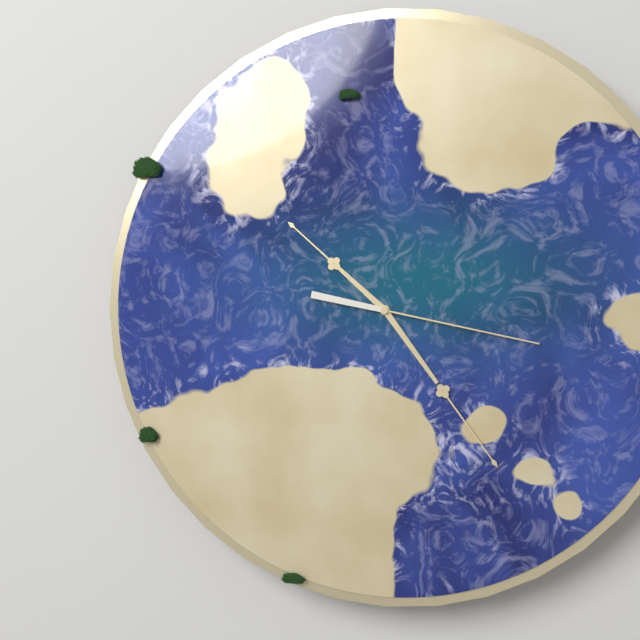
10:24:17
